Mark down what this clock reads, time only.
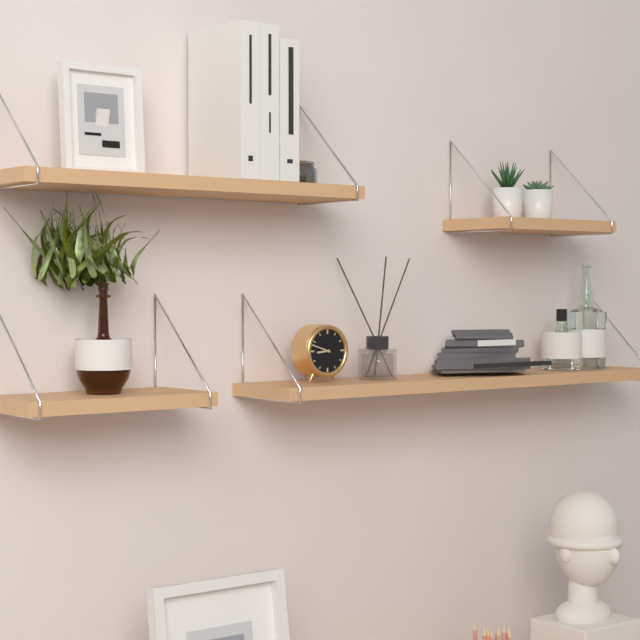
8:48
